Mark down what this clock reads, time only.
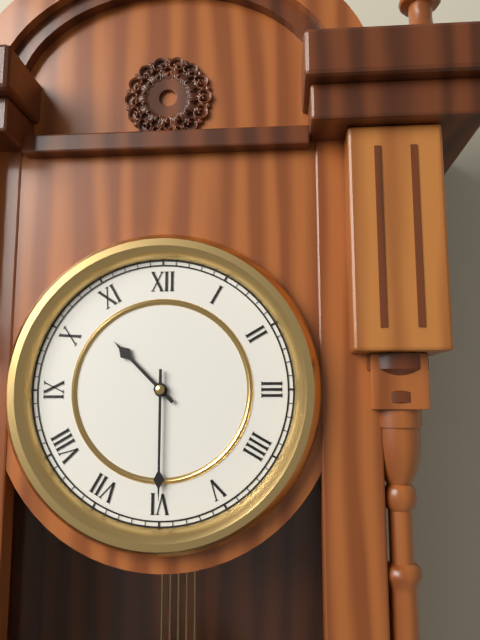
10:30
